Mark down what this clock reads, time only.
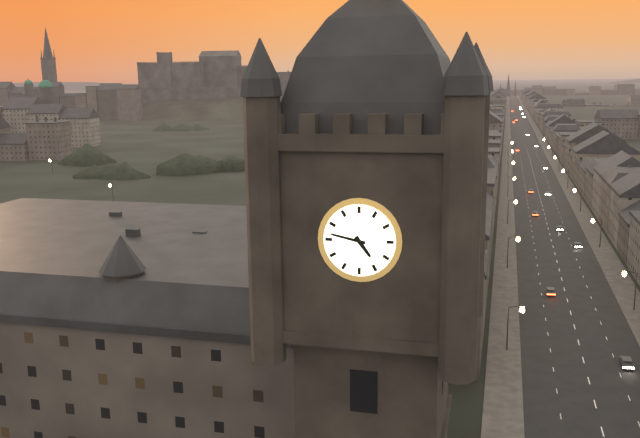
4:47
